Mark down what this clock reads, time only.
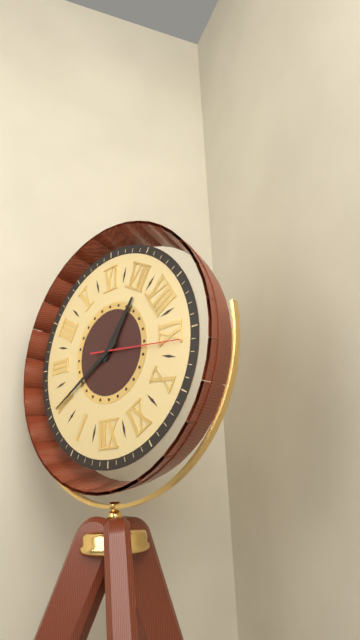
7:10:46
